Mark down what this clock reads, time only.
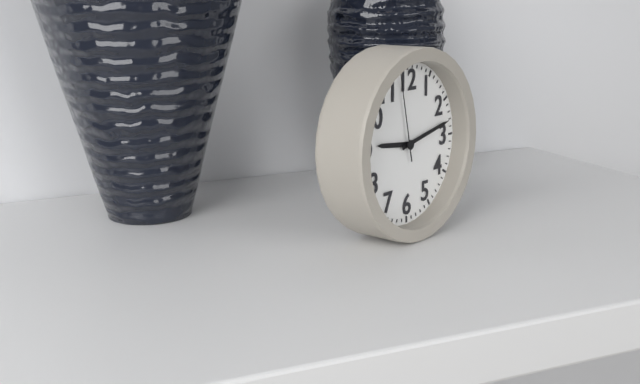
9:13:58
